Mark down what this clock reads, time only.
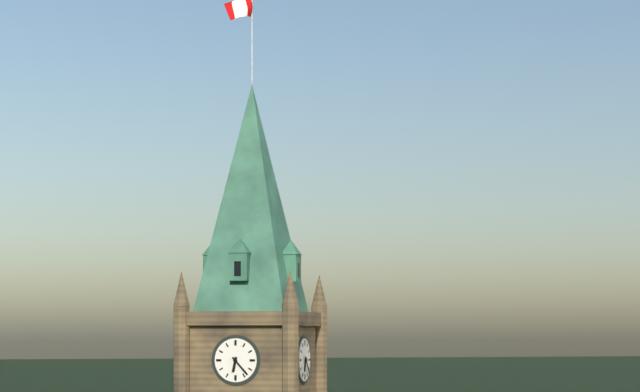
6:23
